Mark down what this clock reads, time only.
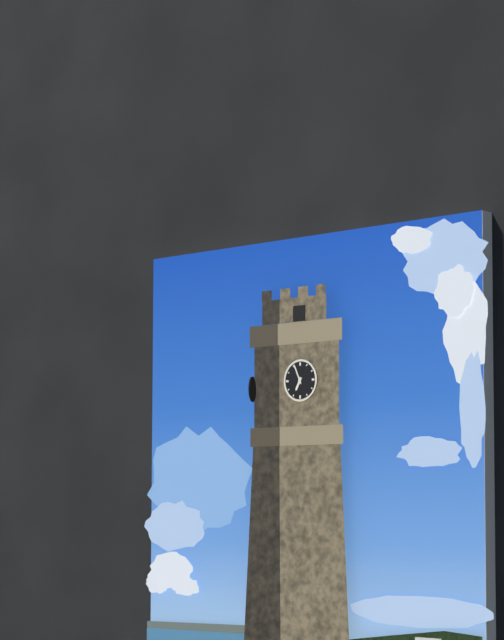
6:56
